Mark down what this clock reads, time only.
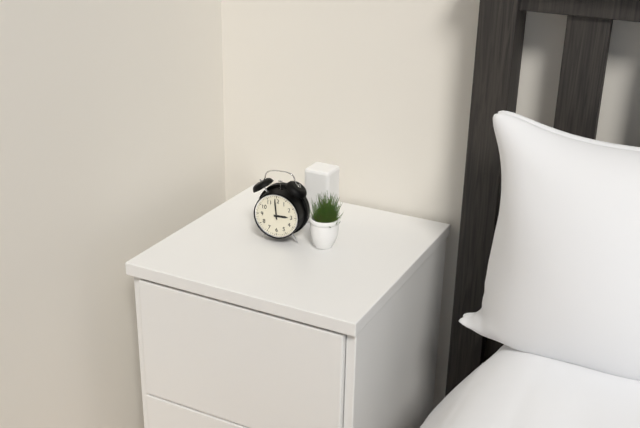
2:59
